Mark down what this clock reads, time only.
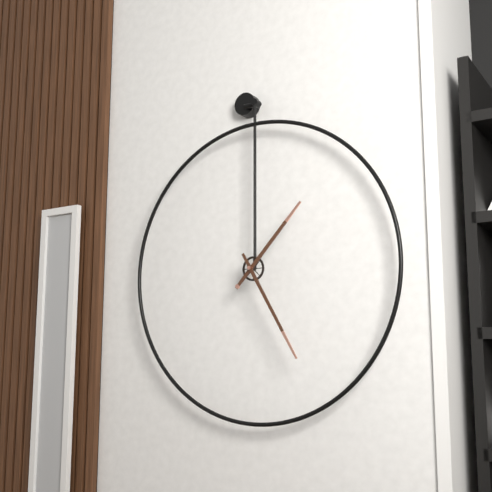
1:25
